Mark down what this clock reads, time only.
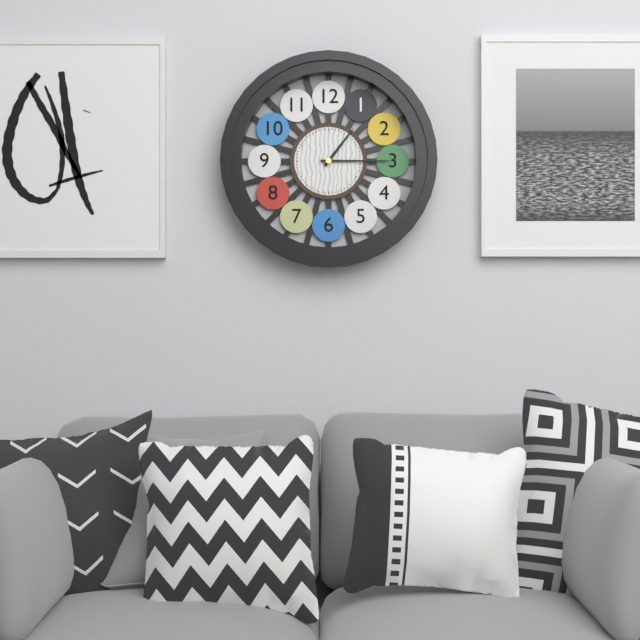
1:15
